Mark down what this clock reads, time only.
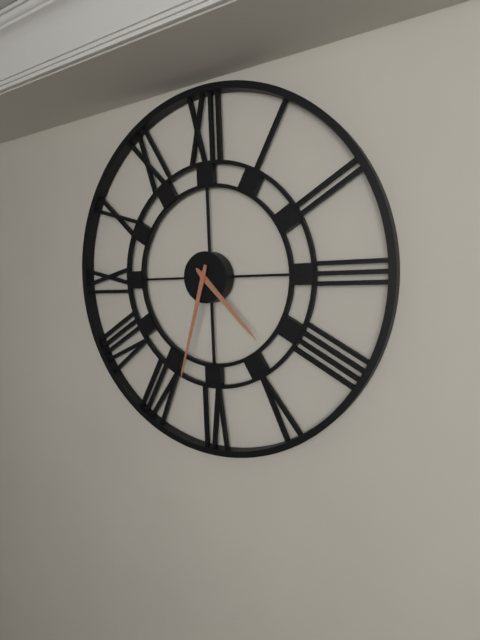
4:33
